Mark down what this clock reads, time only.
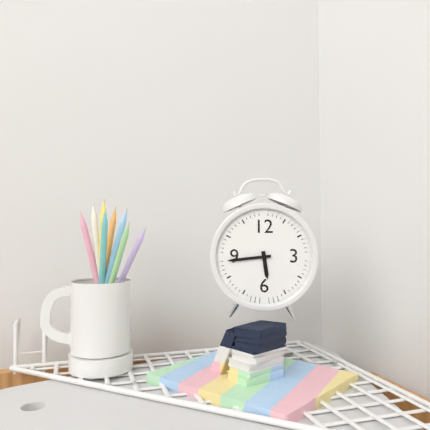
5:44
